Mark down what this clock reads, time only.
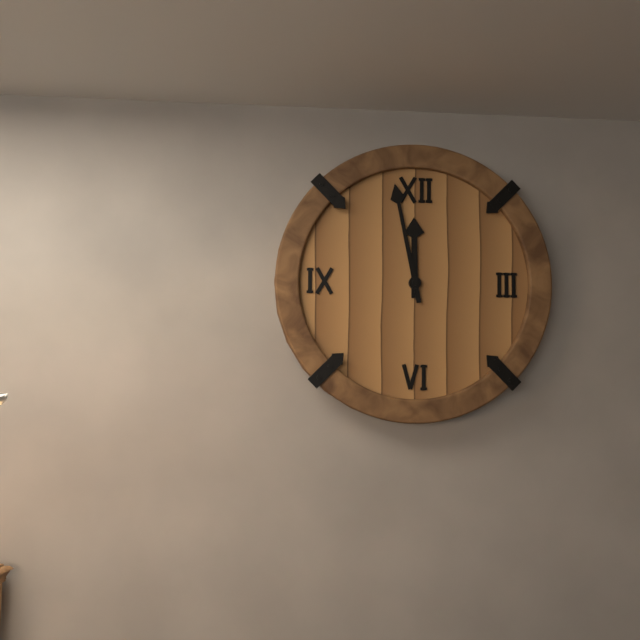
11:58
